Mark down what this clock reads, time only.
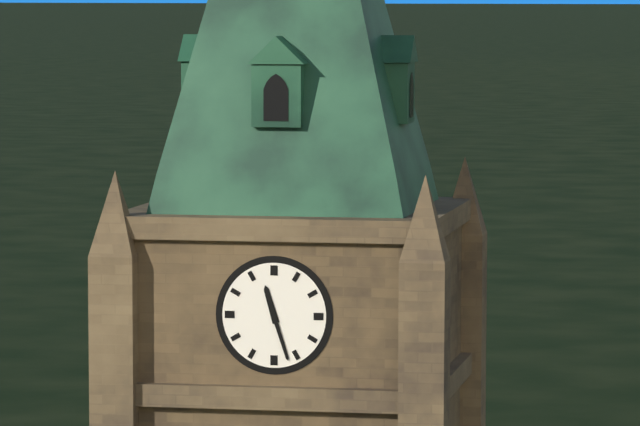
11:27
